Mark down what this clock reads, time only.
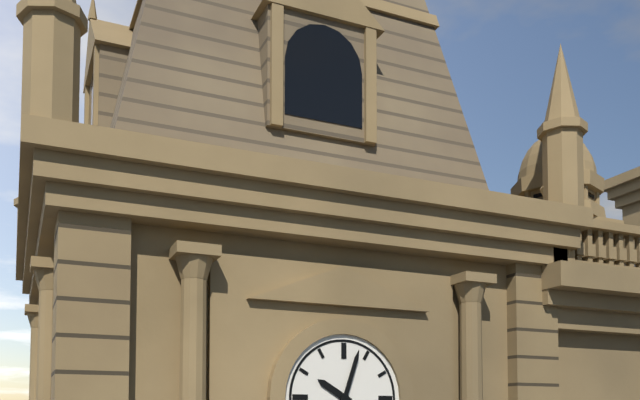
10:03
